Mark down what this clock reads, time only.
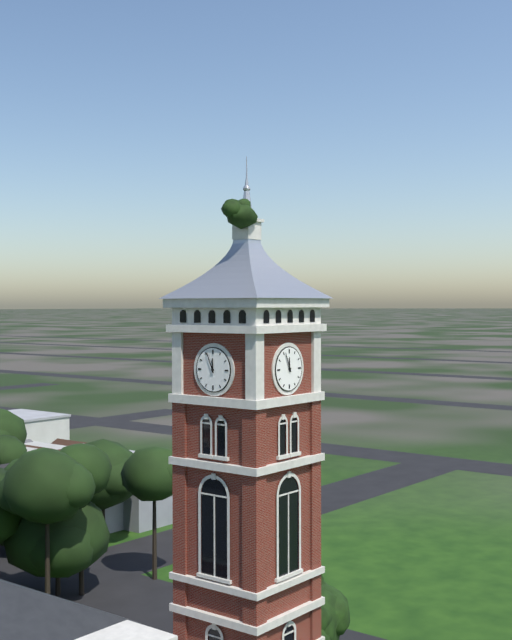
11:56
